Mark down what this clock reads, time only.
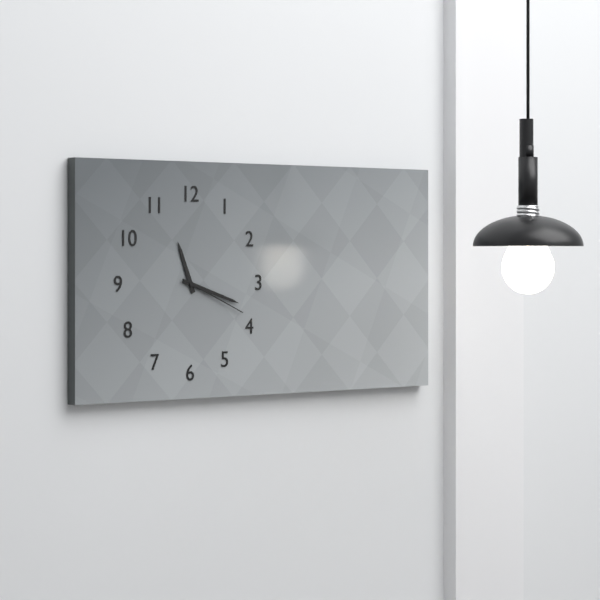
11:18:19
